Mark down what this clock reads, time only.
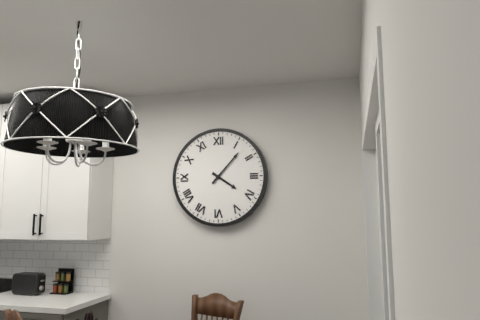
4:07
